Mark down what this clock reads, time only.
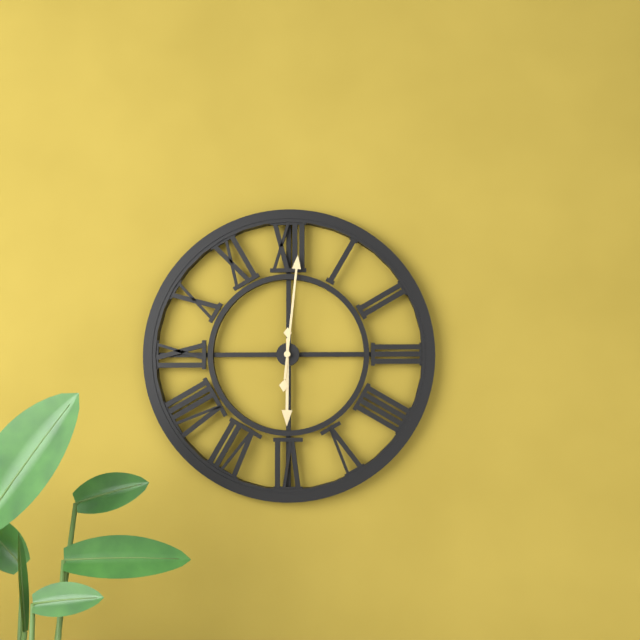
6:01
